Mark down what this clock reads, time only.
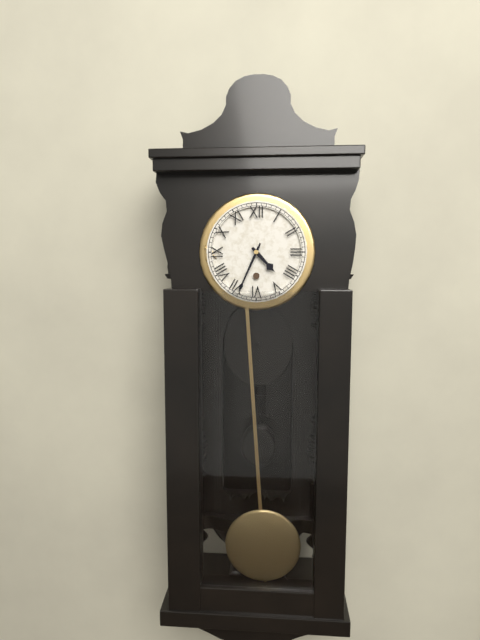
4:34
